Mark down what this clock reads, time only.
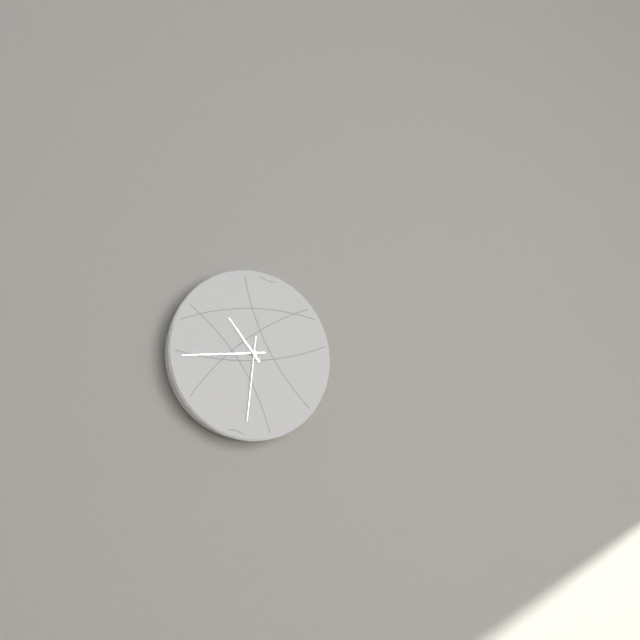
10:44:31
